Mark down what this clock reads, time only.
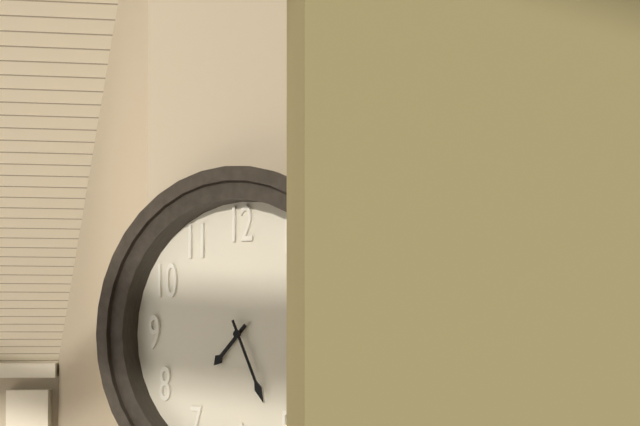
7:26
